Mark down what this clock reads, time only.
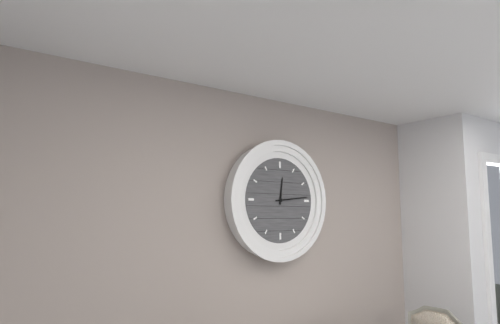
12:14
